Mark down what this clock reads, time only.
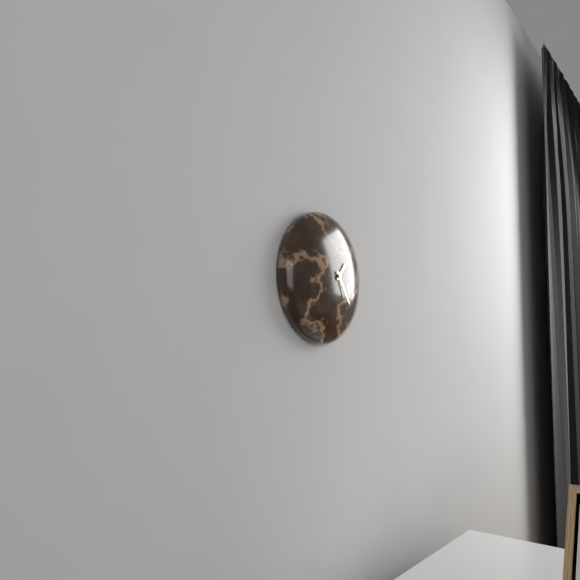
1:24
